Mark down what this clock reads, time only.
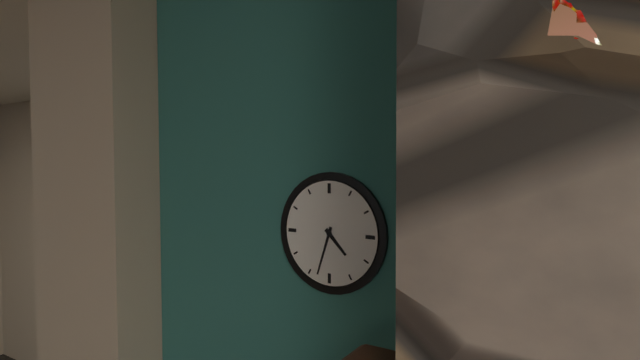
4:33
